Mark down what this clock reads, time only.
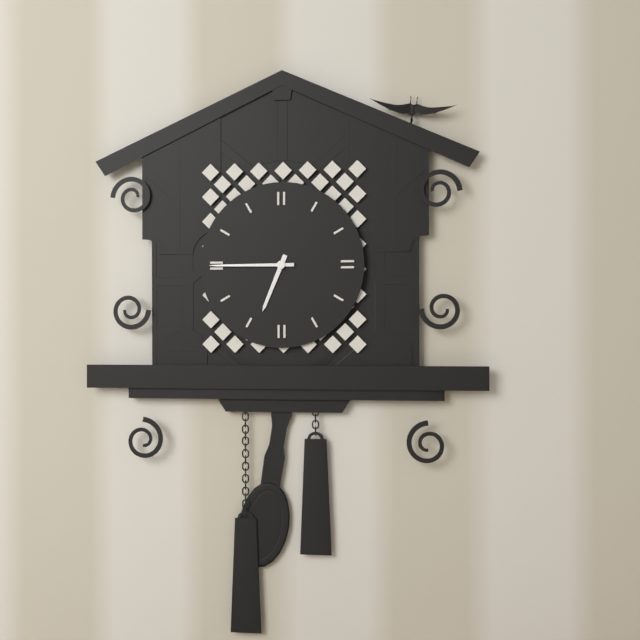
6:45
